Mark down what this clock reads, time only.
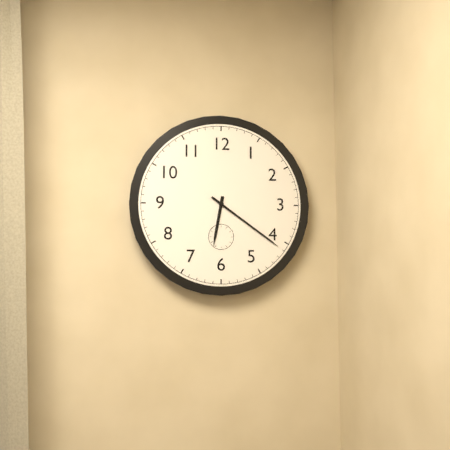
6:21
